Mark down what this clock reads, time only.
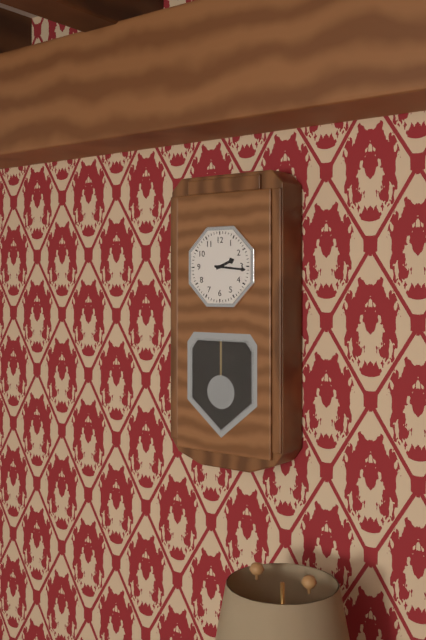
2:16
